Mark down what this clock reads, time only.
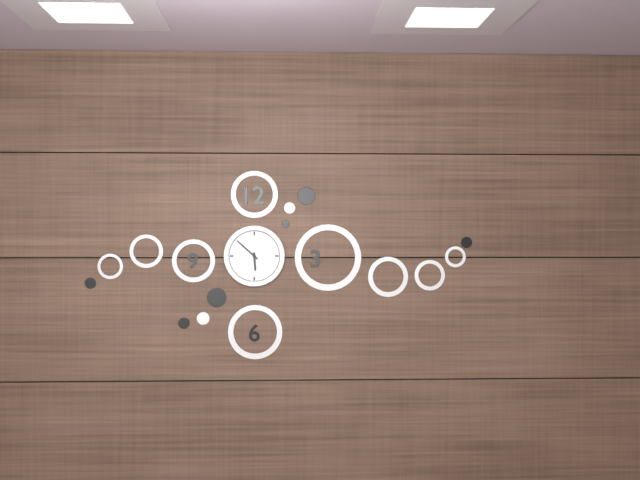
5:52
